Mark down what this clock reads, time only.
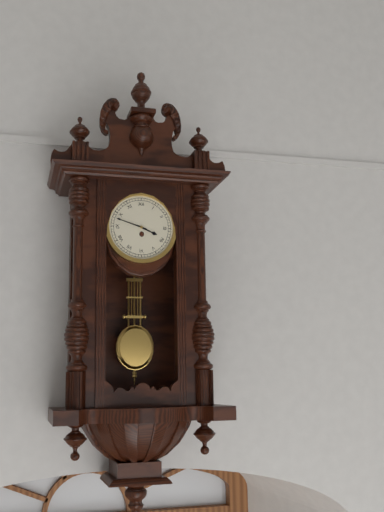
3:48
